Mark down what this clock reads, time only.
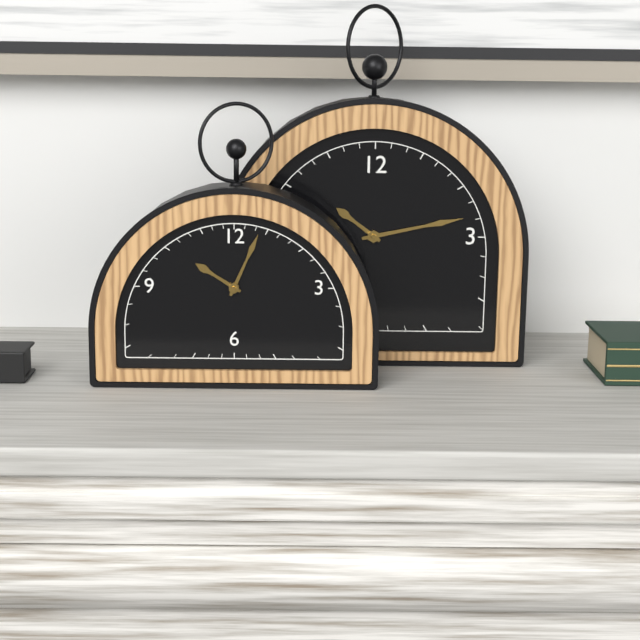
10:04
